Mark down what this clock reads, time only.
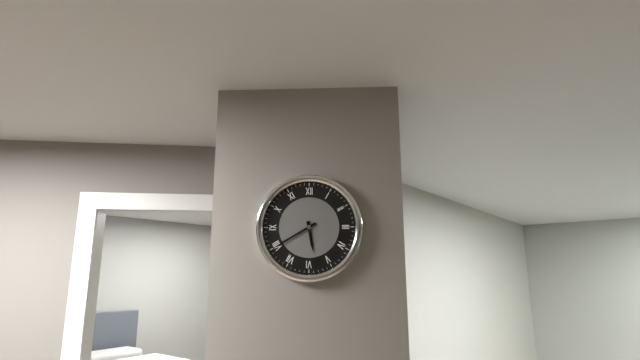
5:40
